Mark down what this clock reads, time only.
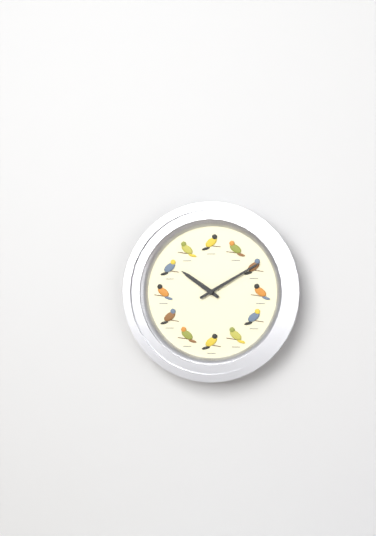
10:10
